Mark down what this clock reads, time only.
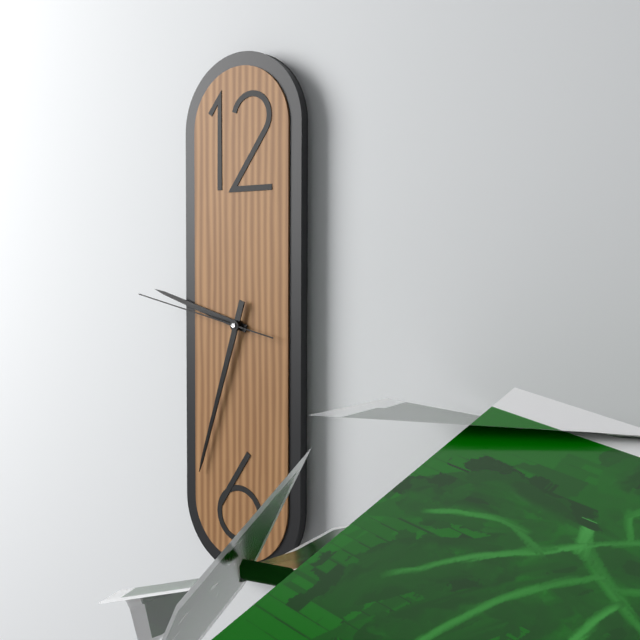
9:33:47
